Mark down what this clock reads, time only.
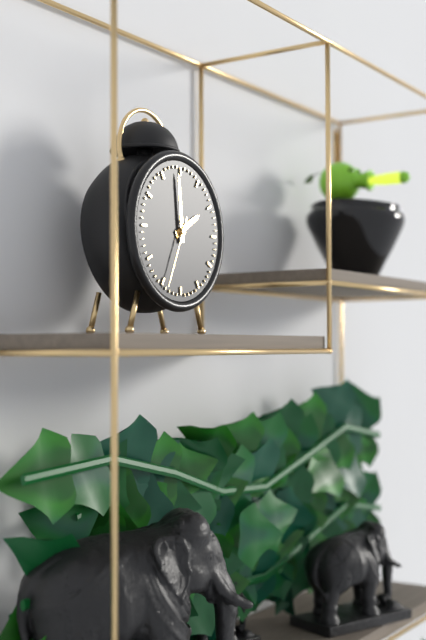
1:59:34
